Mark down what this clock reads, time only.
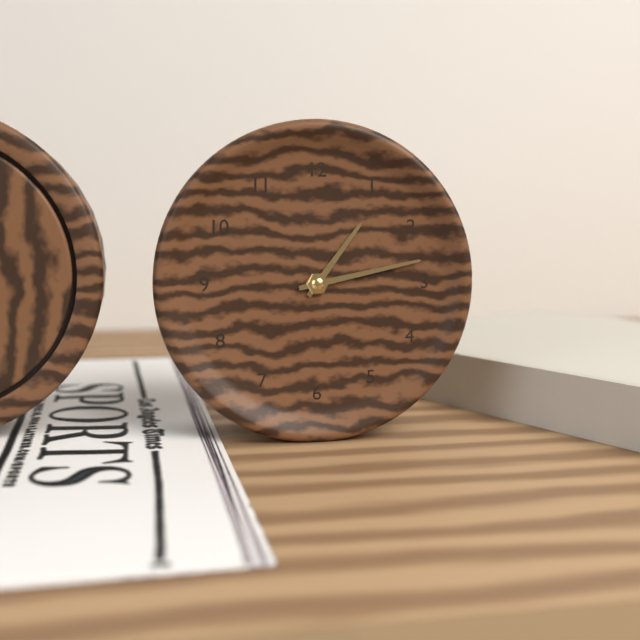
1:13
